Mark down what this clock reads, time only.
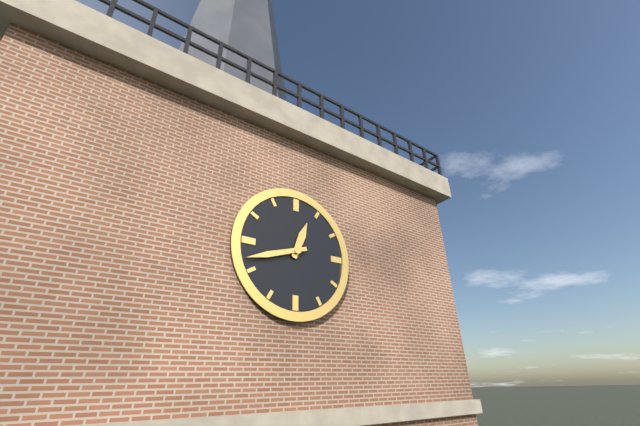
12:42
